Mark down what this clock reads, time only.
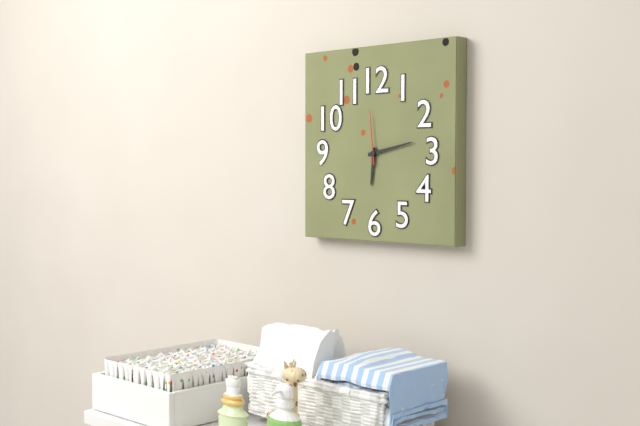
6:13:59
